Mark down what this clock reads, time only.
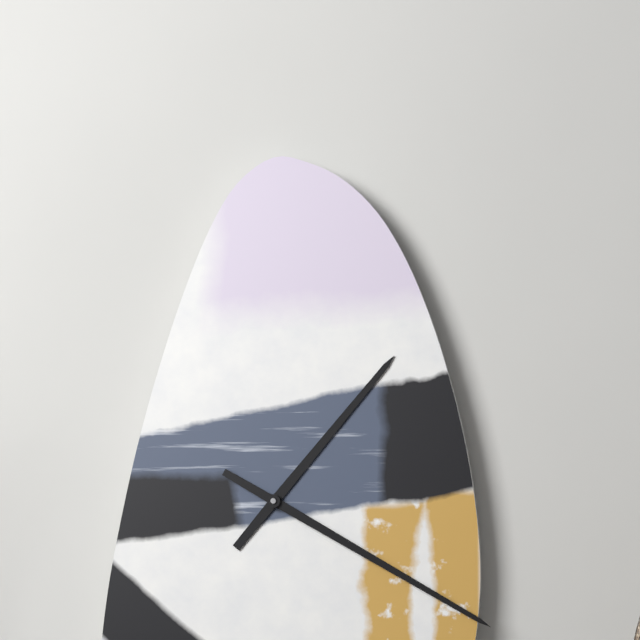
1:20
